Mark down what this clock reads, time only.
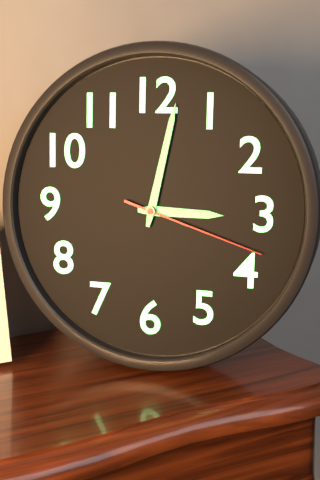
3:02:18
